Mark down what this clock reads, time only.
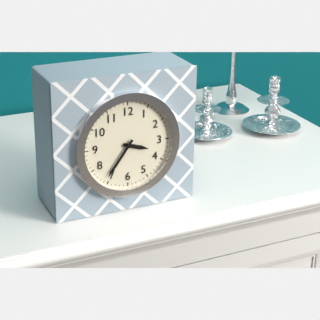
3:36
